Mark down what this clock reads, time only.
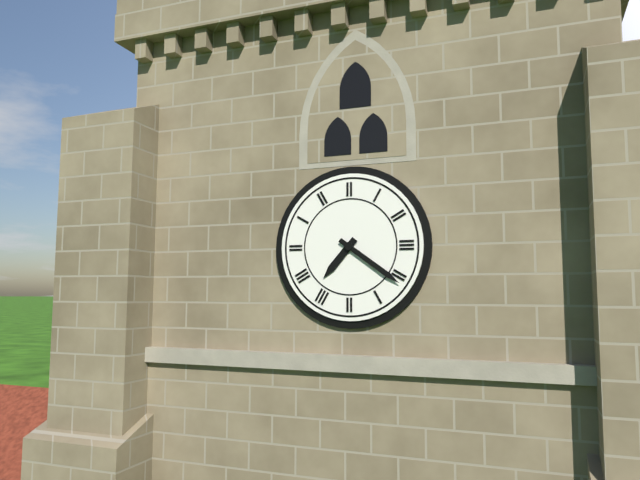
7:21
